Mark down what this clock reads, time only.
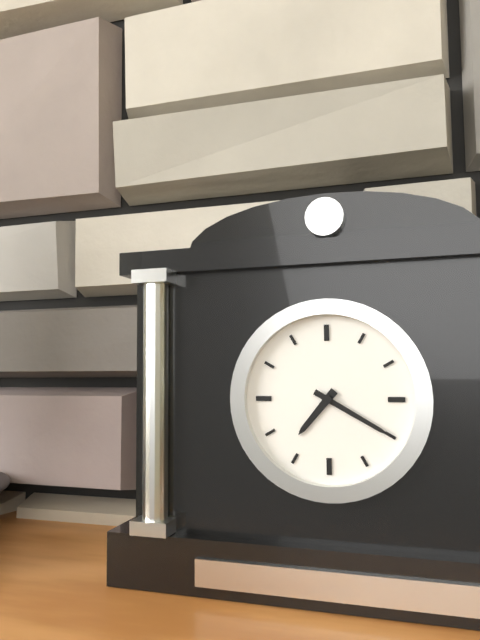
7:20
